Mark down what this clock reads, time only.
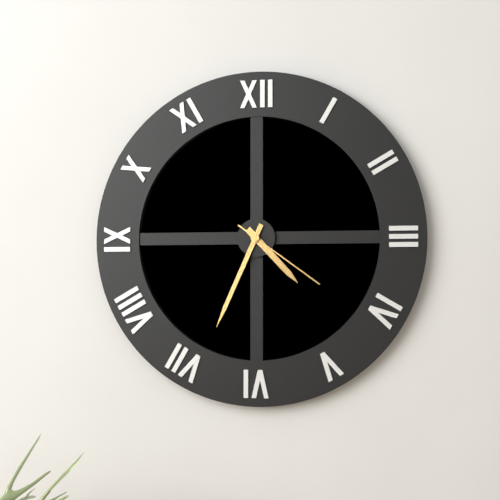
4:34:21
